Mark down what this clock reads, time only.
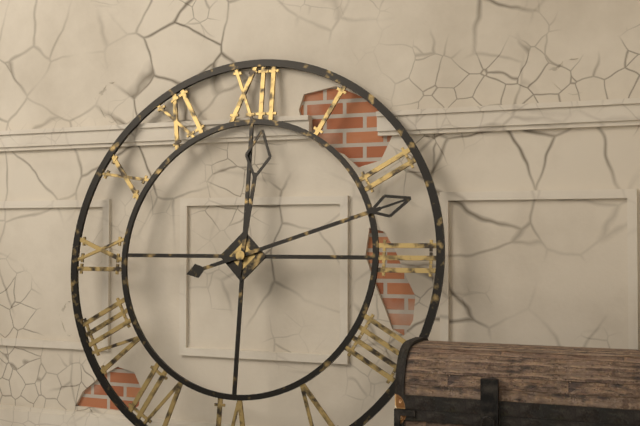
12:12
